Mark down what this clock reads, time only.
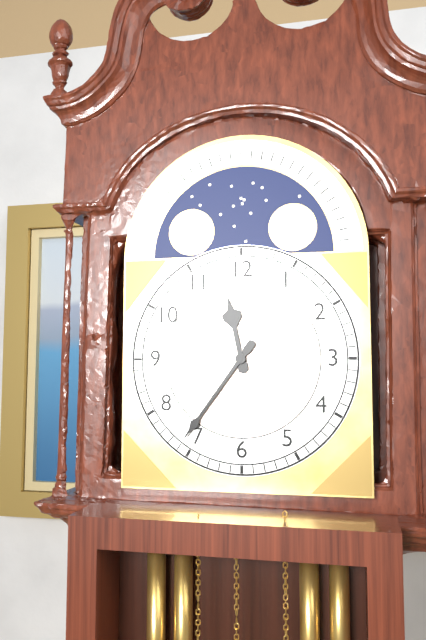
11:36
